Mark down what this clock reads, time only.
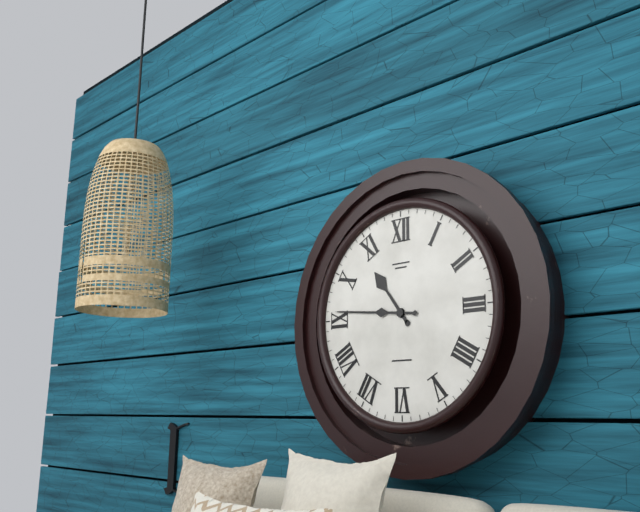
10:46
